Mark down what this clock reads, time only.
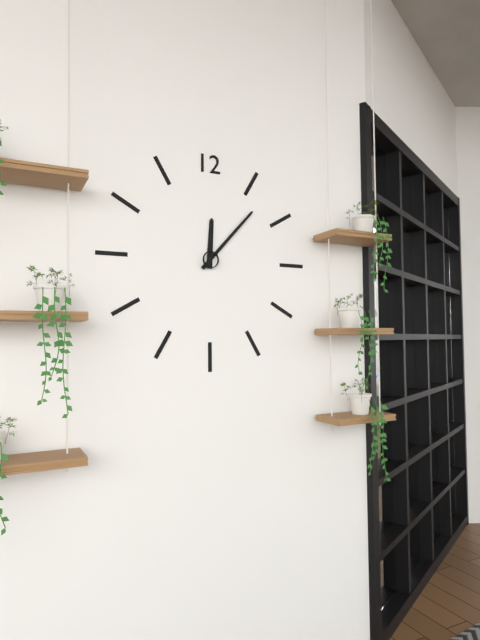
12:07
